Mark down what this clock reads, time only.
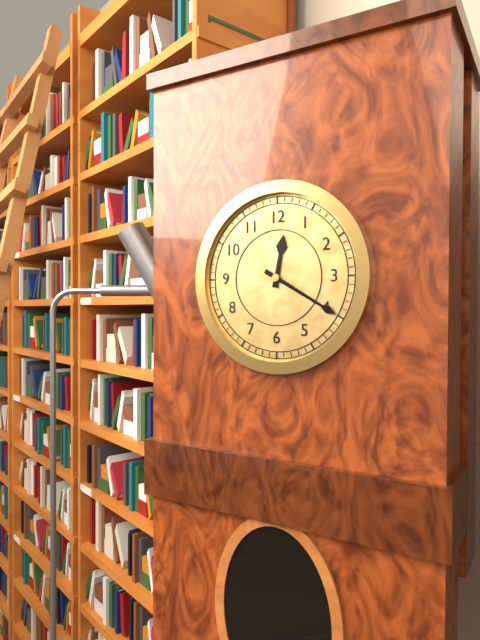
12:20
